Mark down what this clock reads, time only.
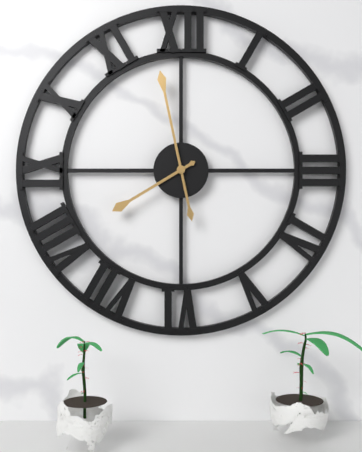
7:58
